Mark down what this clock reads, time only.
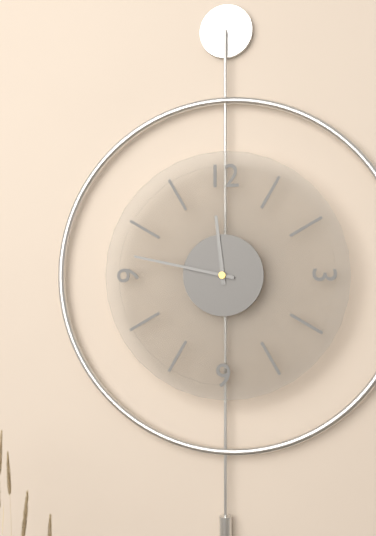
11:47
